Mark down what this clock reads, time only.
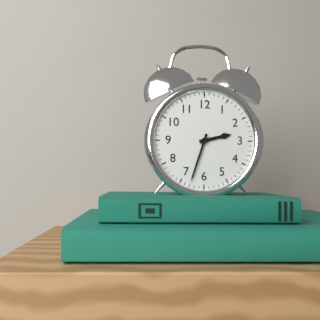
2:33
